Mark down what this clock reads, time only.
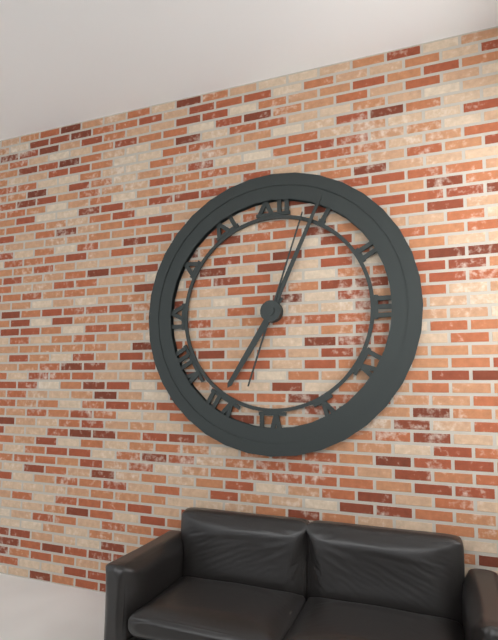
7:04:03
